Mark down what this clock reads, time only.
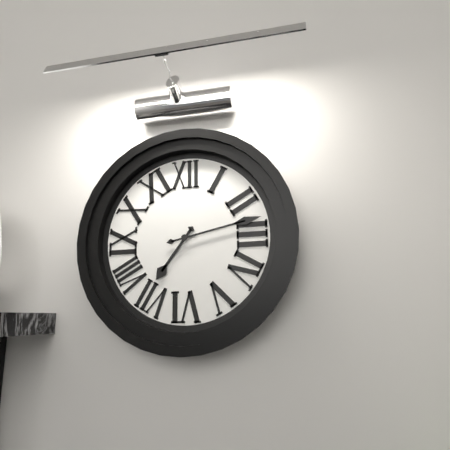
7:13
